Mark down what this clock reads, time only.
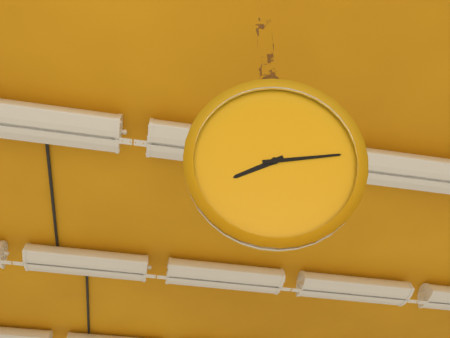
8:14
